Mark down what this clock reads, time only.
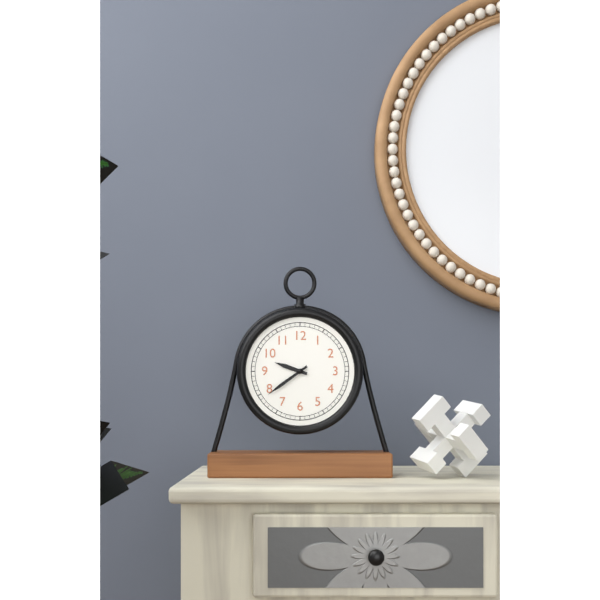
9:39
